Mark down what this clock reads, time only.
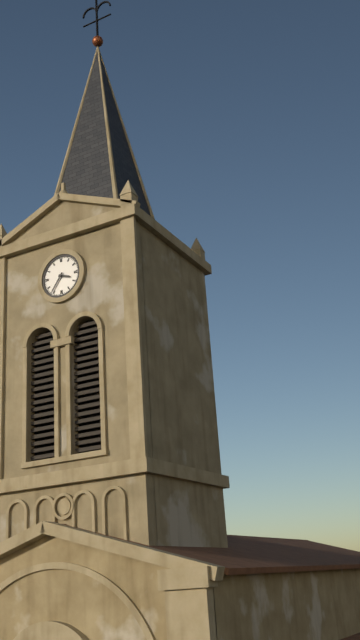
3:36
